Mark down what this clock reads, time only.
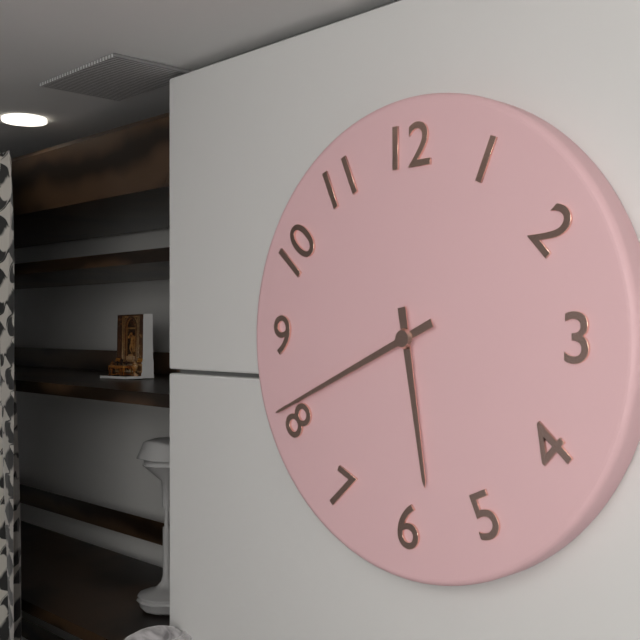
5:41
